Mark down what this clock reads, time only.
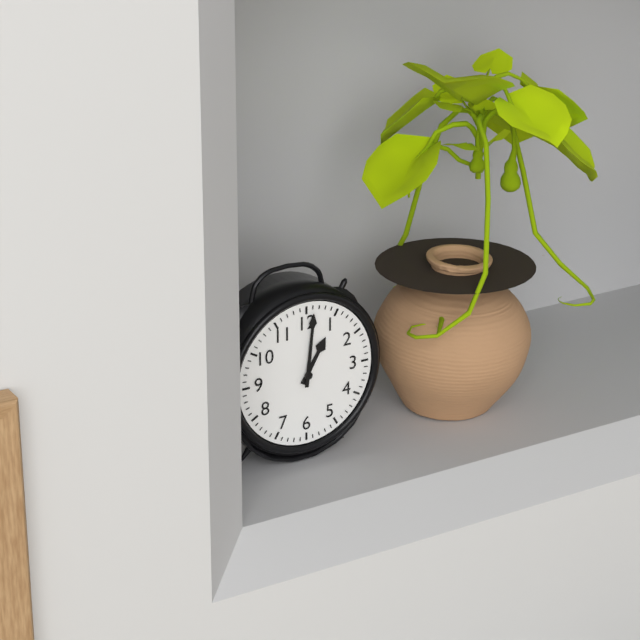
1:01
